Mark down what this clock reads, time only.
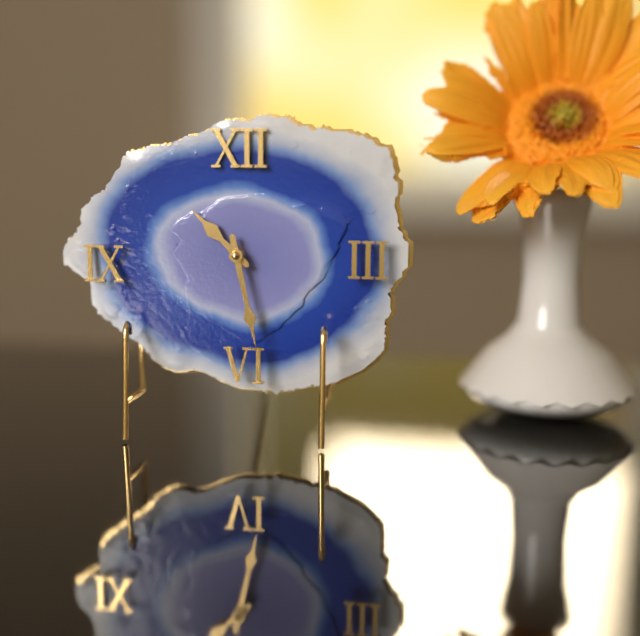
10:28
